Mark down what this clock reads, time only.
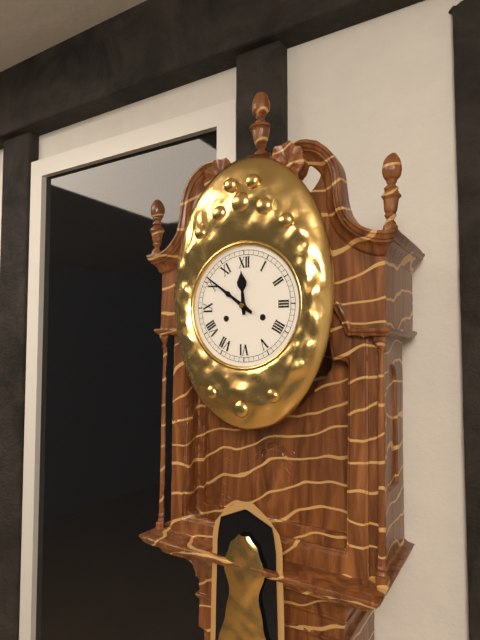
11:51
